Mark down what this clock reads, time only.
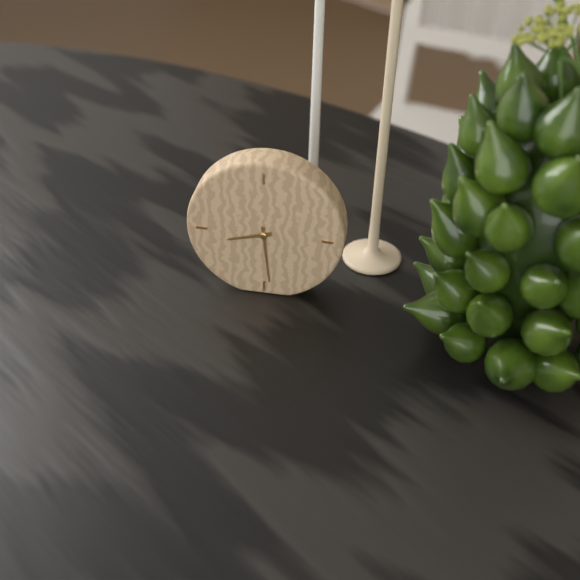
8:29
